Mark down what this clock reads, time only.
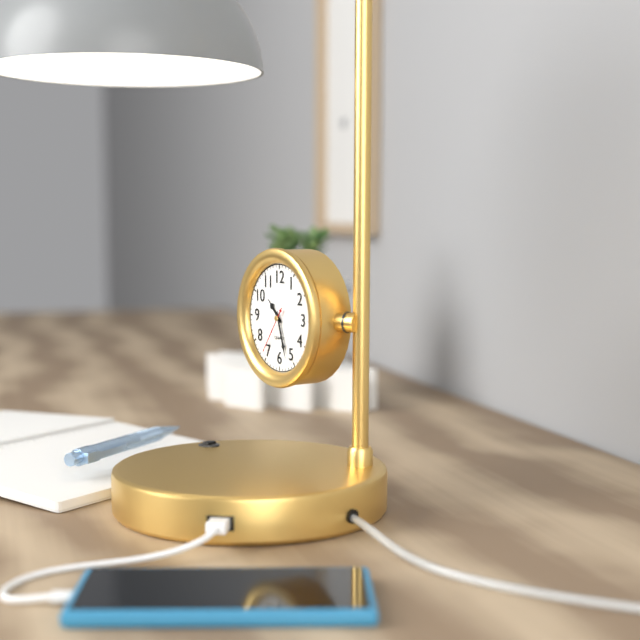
10:27
